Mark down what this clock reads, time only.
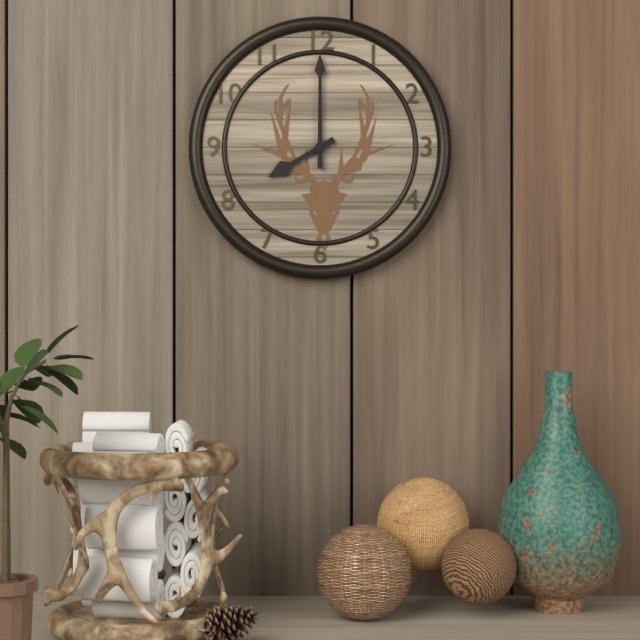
8:00
